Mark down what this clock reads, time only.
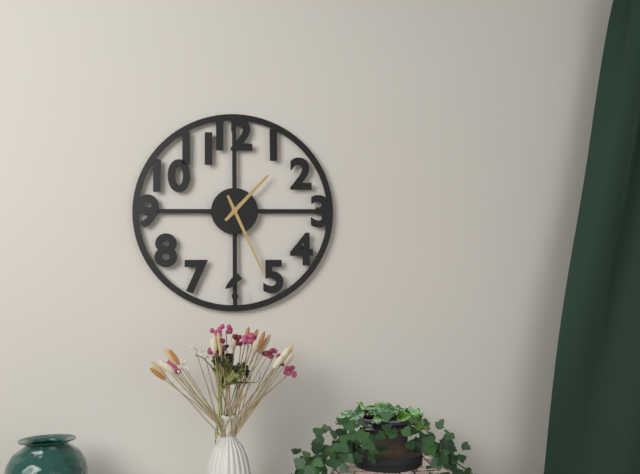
1:26
